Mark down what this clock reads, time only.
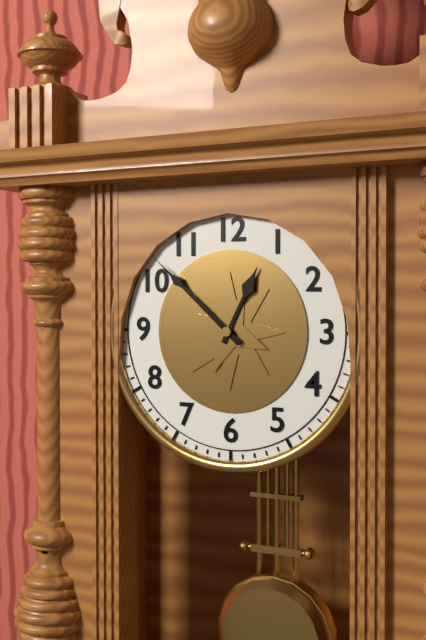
12:52
